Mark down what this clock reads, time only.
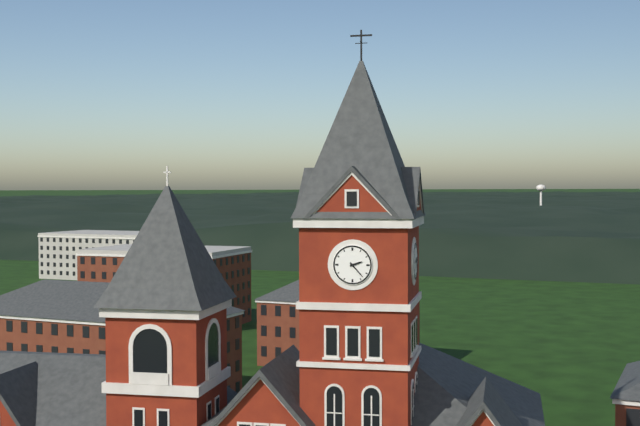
2:23
